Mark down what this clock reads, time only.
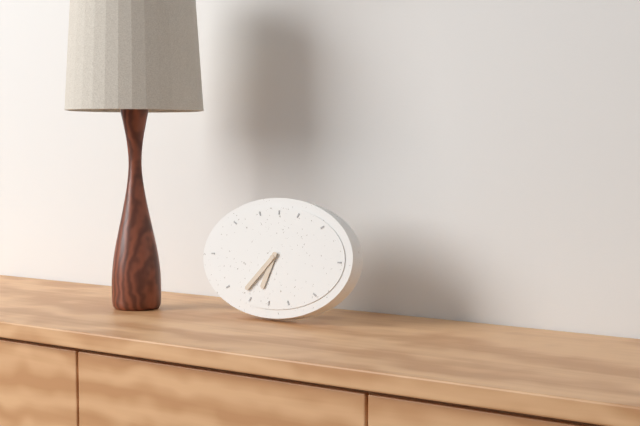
6:37
